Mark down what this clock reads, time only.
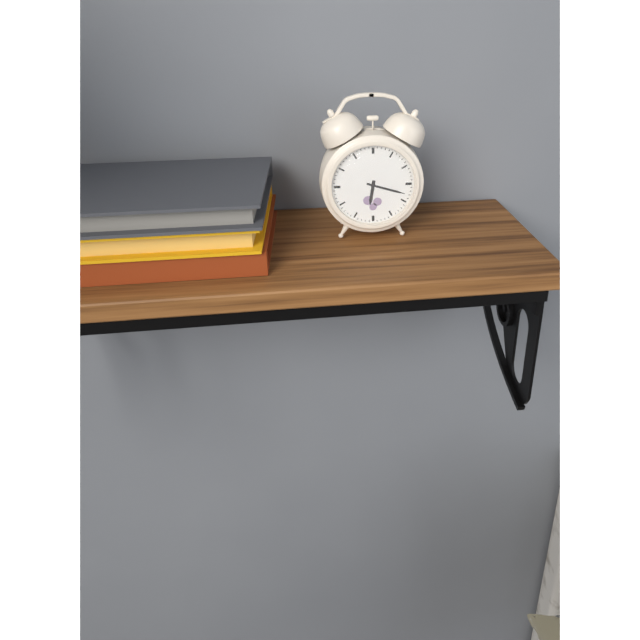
6:18
